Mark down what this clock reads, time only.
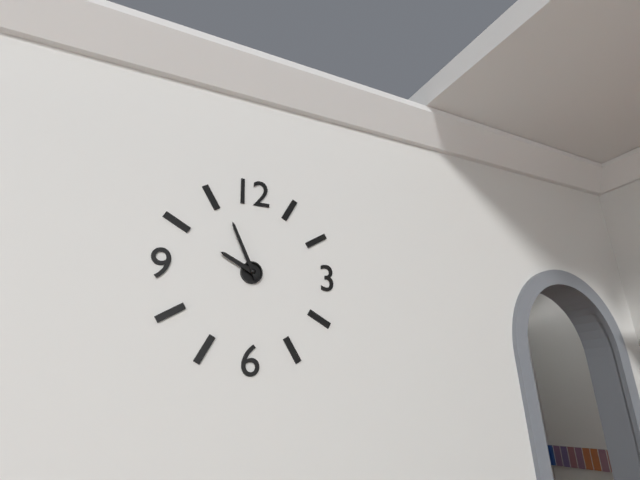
9:56
